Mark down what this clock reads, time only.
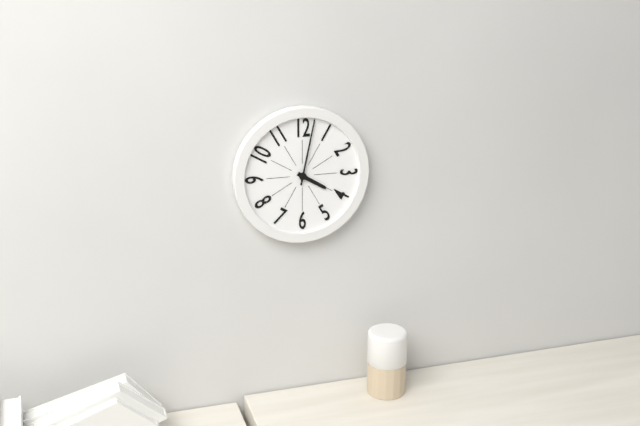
4:02
